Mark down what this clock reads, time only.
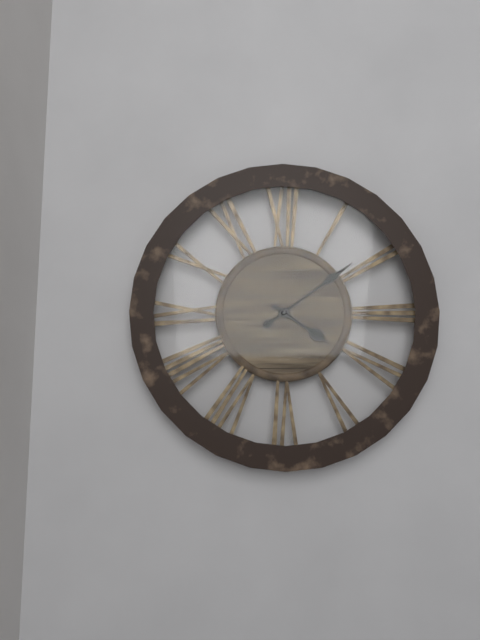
4:09
